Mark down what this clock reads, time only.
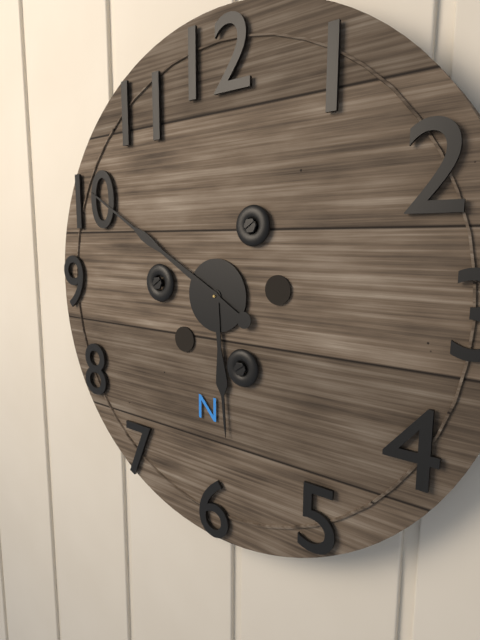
5:50
